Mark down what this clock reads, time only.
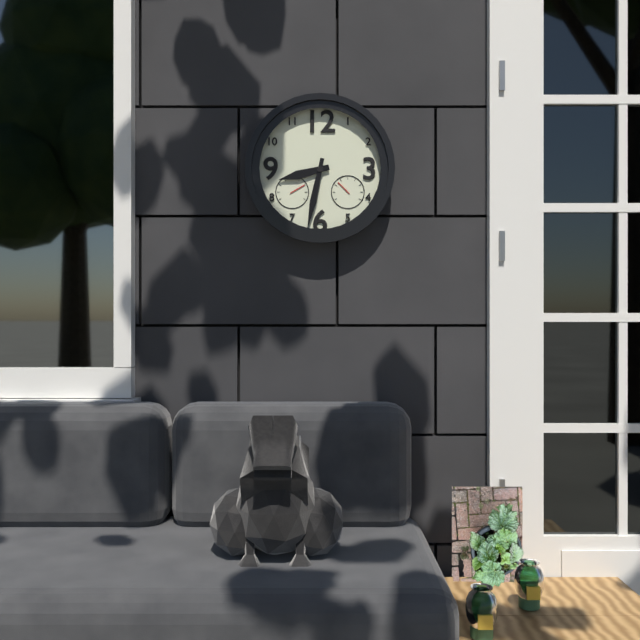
8:32
